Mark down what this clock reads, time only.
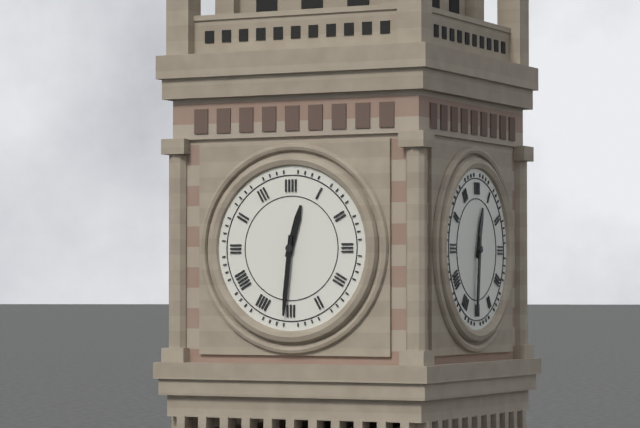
12:31
